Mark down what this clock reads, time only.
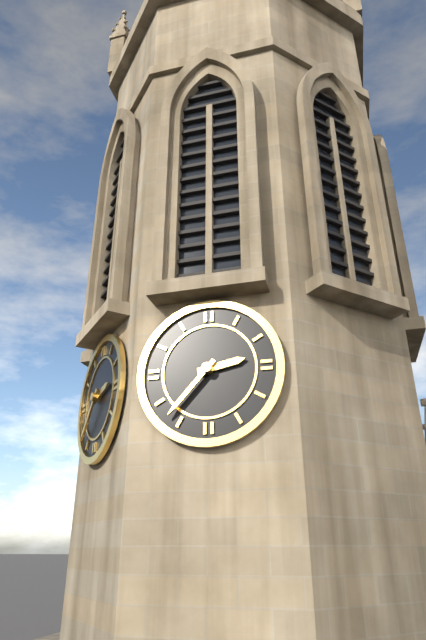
2:37
